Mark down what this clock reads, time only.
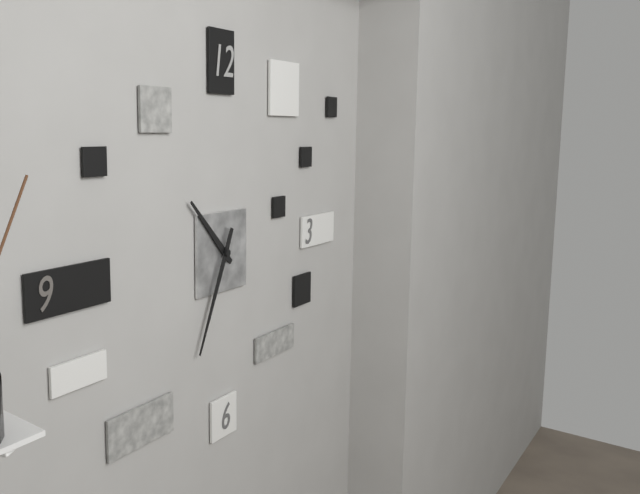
10:34
